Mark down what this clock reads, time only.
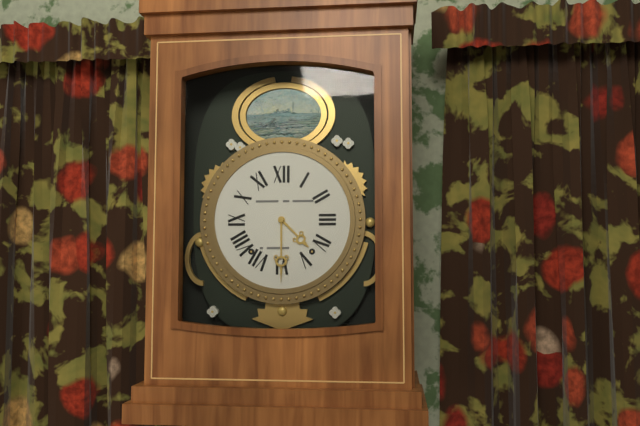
4:30
